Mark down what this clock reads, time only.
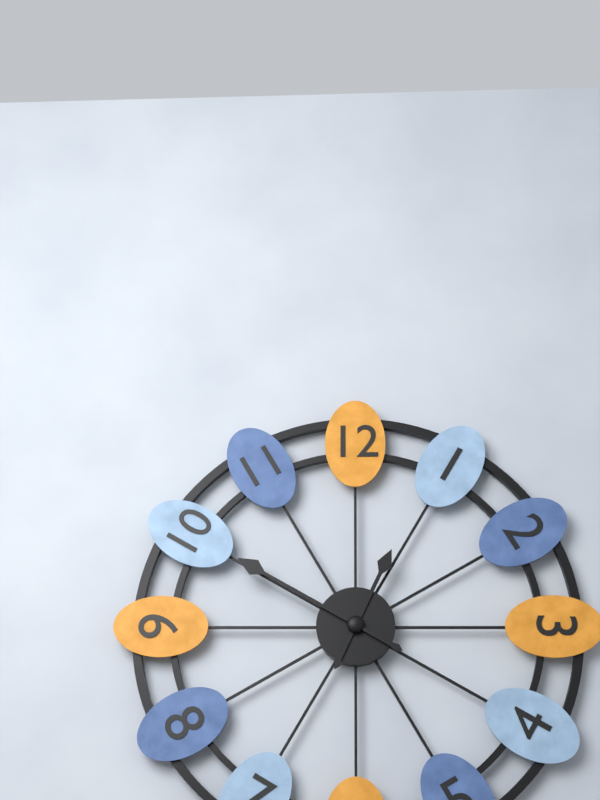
12:50
